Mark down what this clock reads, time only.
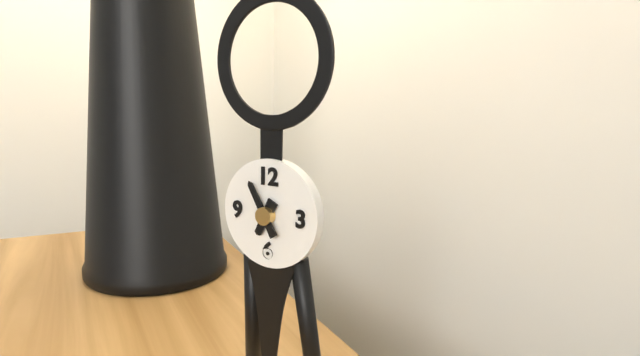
6:55
